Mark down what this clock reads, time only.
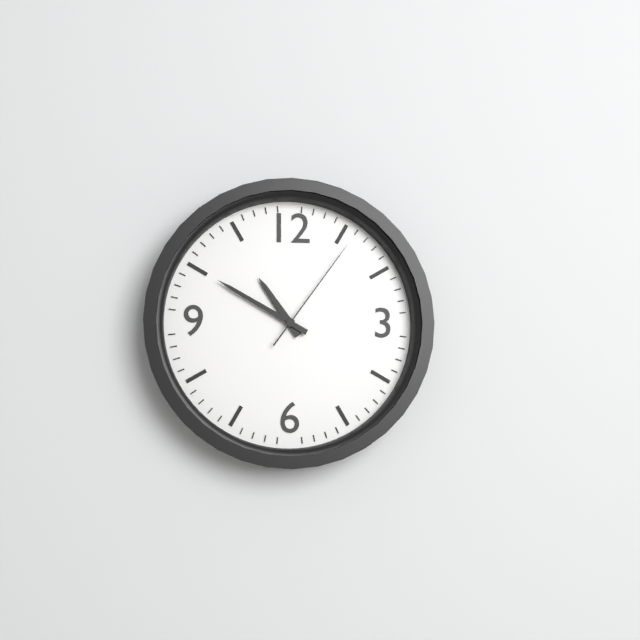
10:50:06
